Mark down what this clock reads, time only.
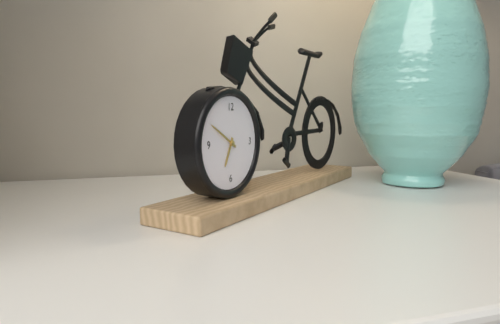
6:50
